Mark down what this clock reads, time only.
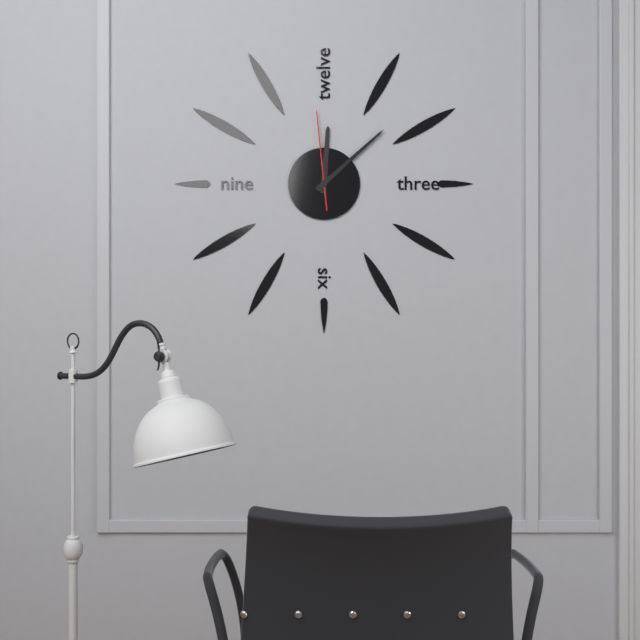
12:08:59
